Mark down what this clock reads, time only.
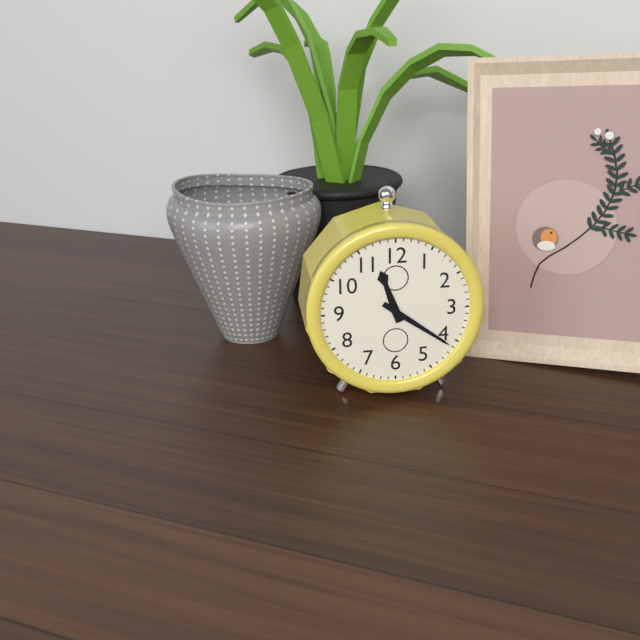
11:21
